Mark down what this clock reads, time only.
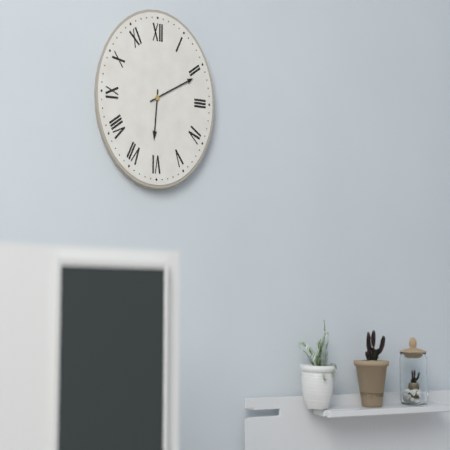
6:11
